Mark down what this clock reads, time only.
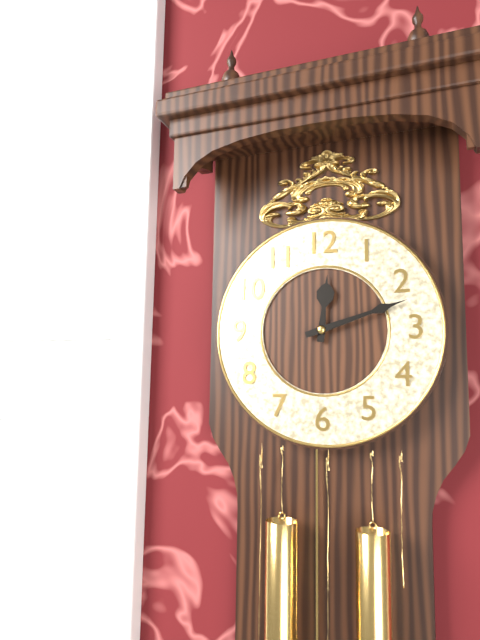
12:12
